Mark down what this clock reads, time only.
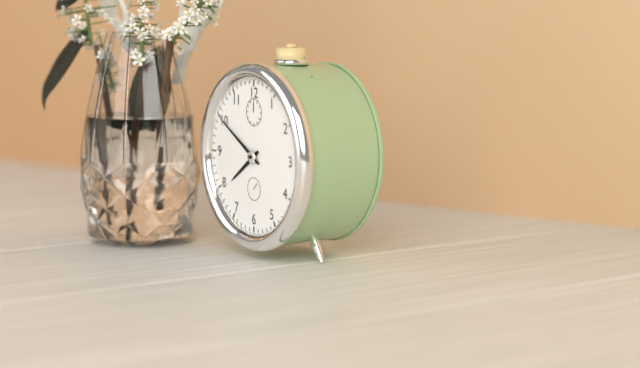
7:50
